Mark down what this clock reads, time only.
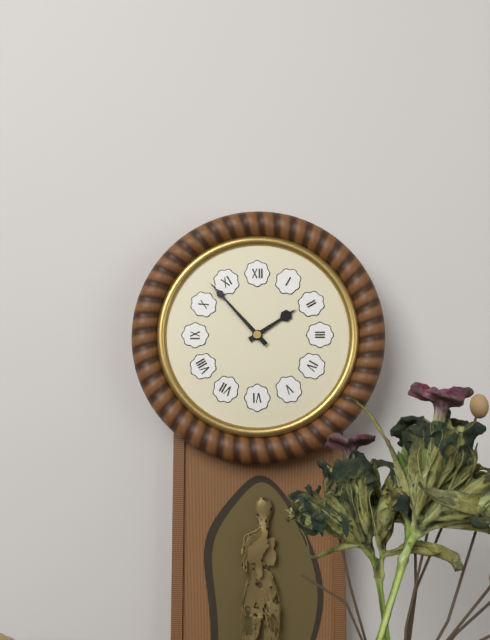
1:53
